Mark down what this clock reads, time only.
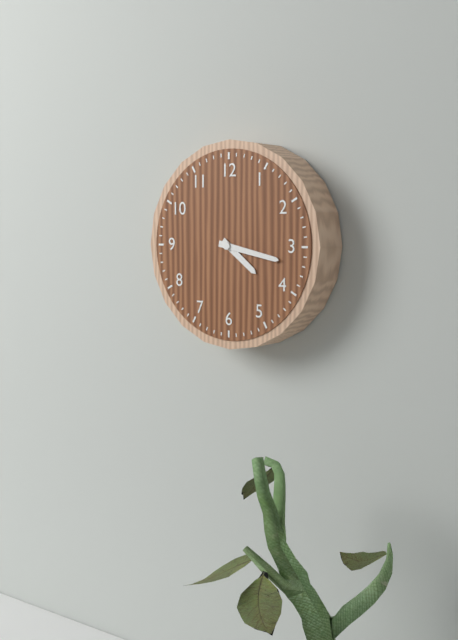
4:17
